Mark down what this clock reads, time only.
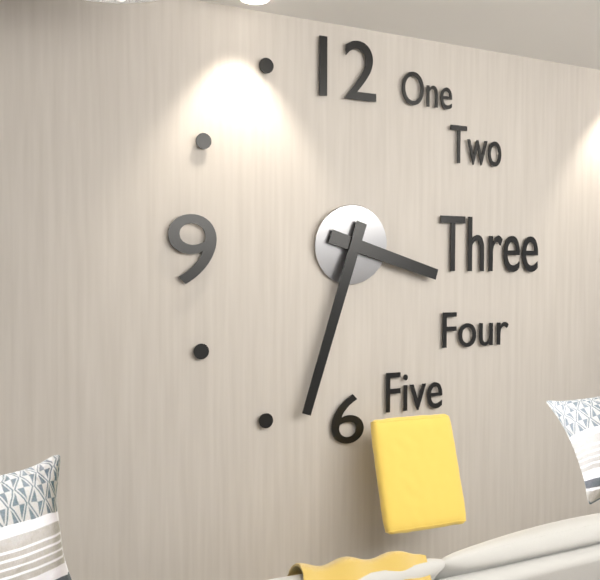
3:33
